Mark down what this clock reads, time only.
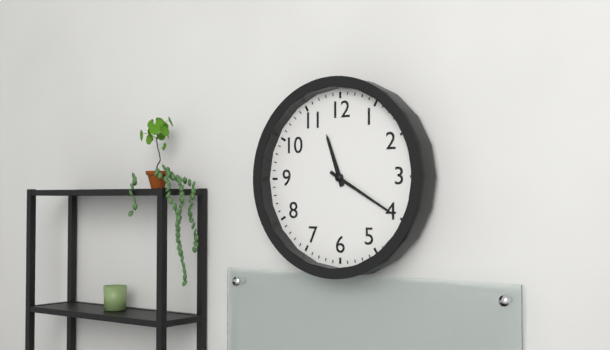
11:20
